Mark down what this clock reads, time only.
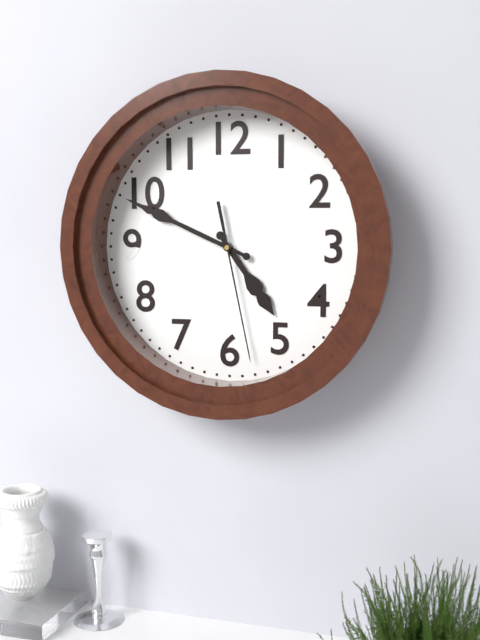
4:49:28
